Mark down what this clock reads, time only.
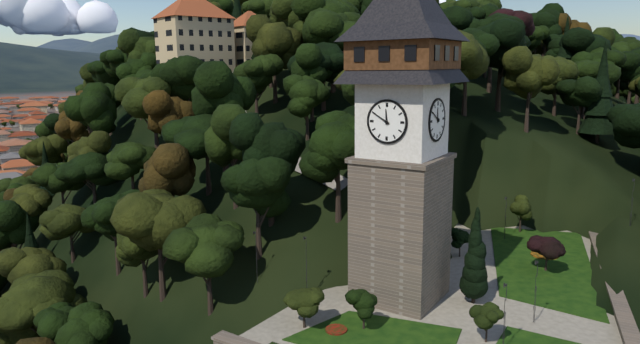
11:50
